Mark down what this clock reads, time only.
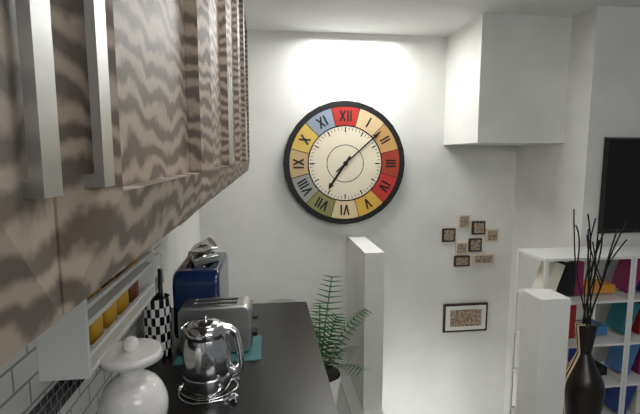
7:08
